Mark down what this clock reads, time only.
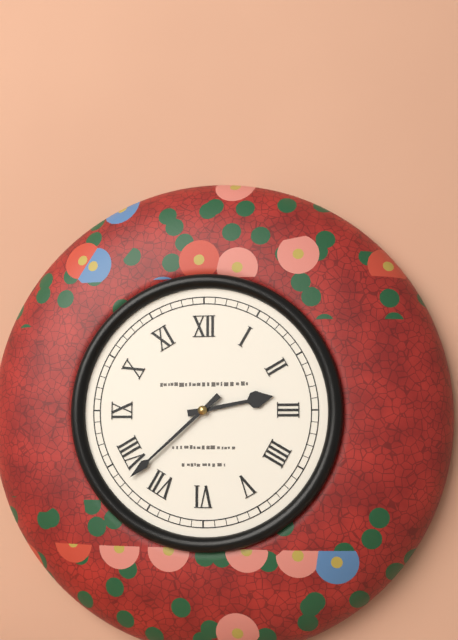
2:38
